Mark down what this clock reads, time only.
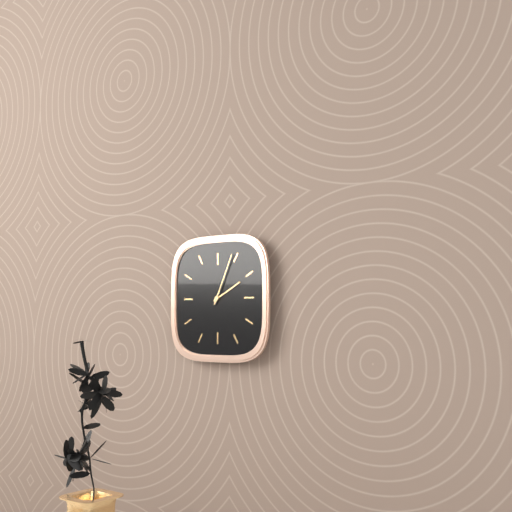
2:04
